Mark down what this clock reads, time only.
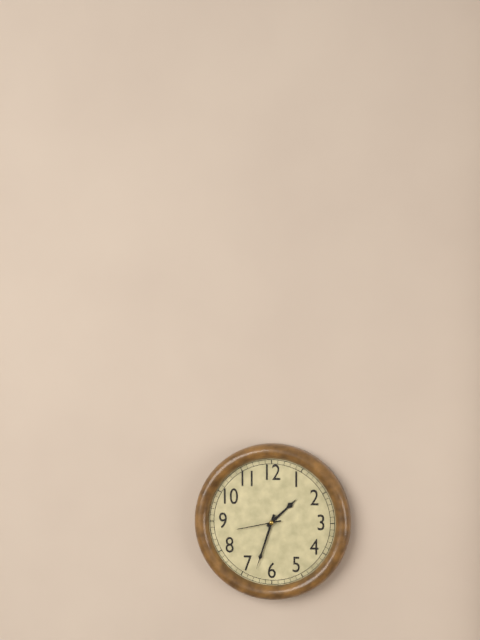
1:33
